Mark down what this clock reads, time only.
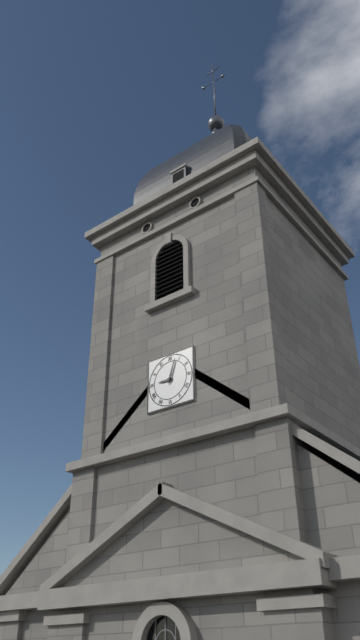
9:03
